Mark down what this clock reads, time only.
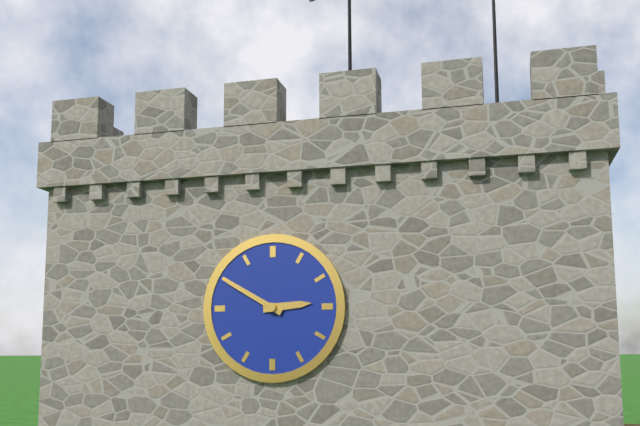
2:50
